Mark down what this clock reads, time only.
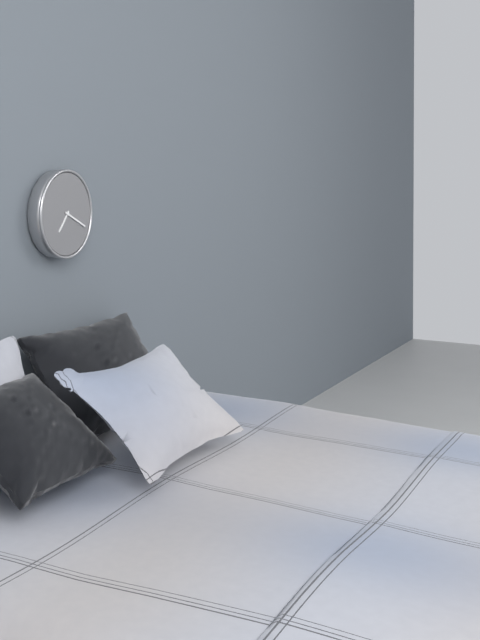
7:19
